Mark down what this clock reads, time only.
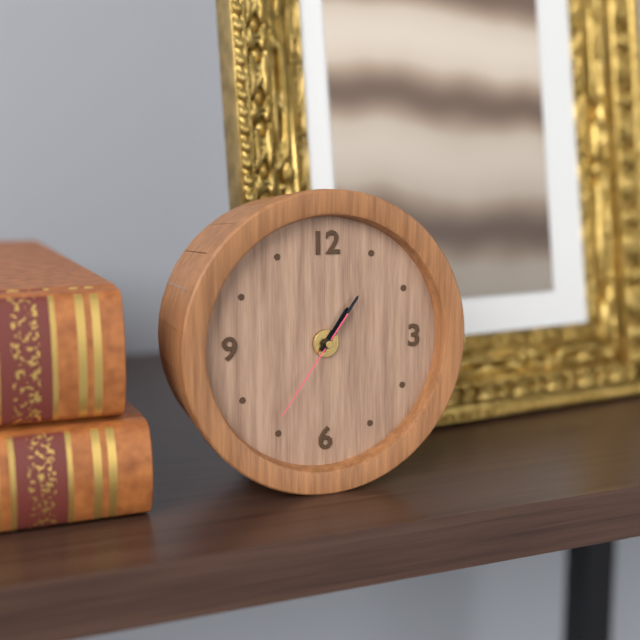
1:06:36
